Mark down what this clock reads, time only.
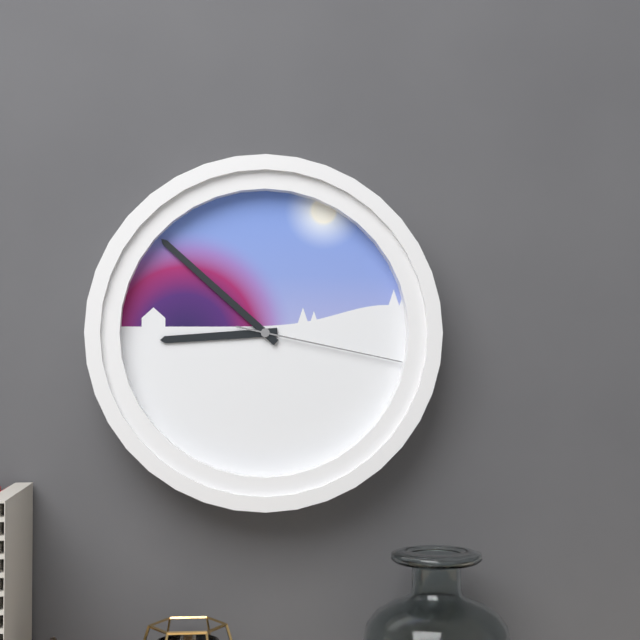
8:52:17
